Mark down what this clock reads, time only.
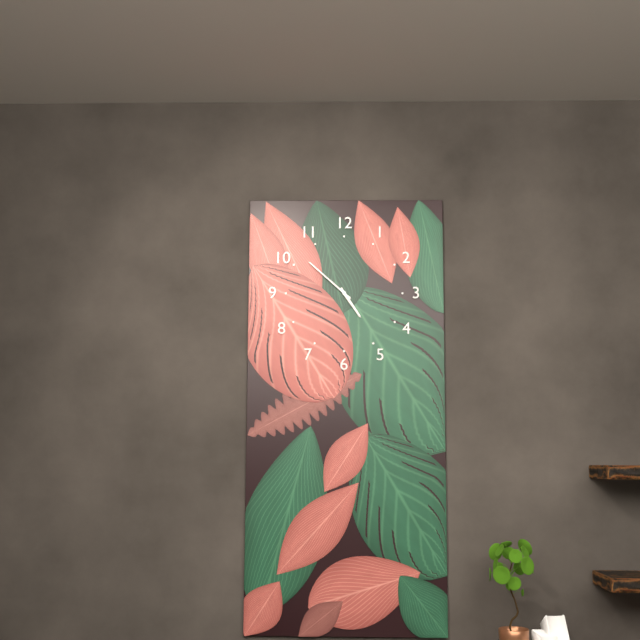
4:52
